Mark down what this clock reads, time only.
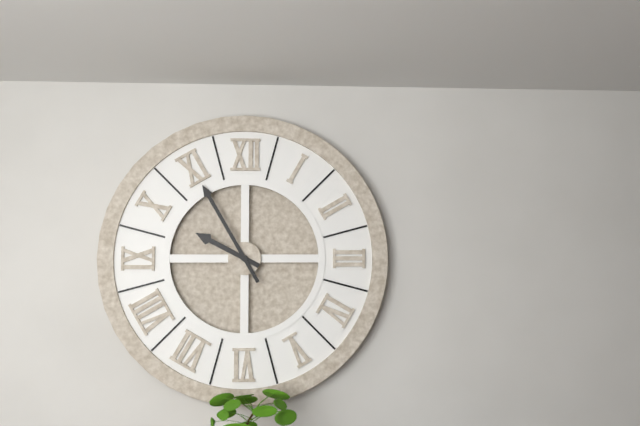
9:55
